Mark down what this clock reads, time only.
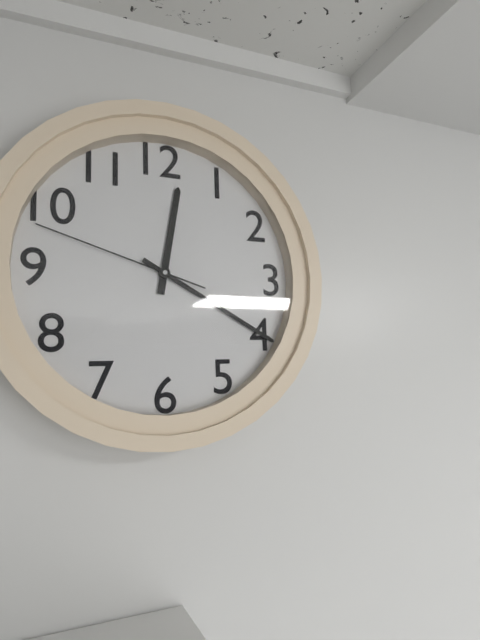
12:20:48
